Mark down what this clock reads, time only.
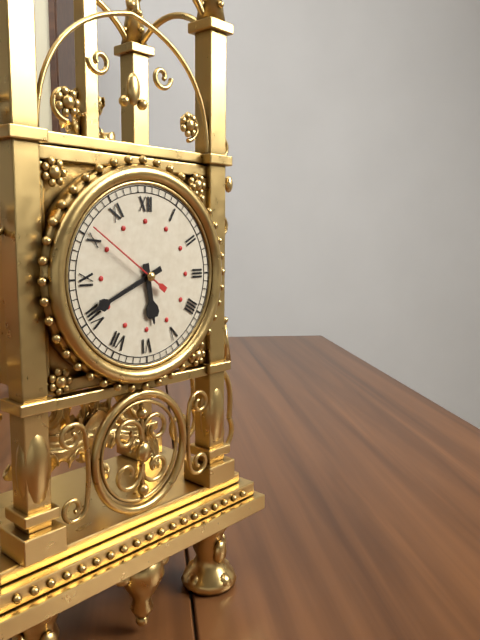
5:41:51
